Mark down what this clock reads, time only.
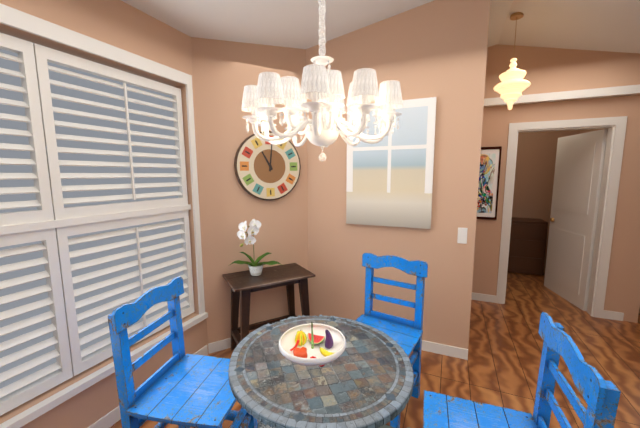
11:01
